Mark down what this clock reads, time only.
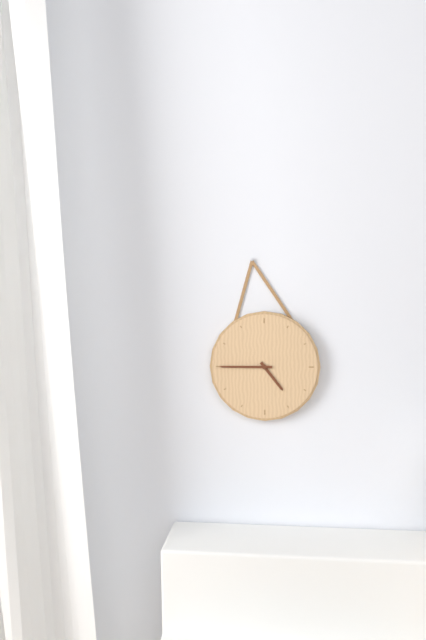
4:45
